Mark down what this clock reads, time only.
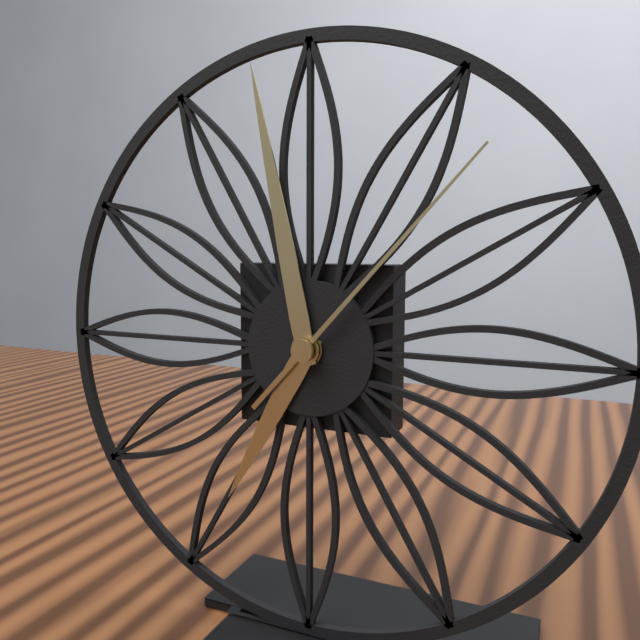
6:58:07
